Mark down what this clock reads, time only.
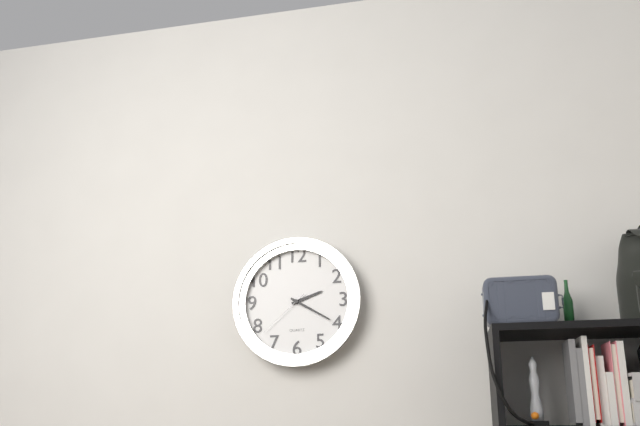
2:20:38
